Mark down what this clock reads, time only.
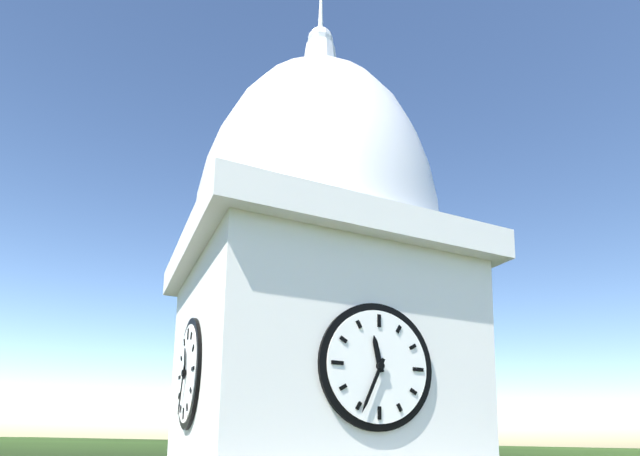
11:34
